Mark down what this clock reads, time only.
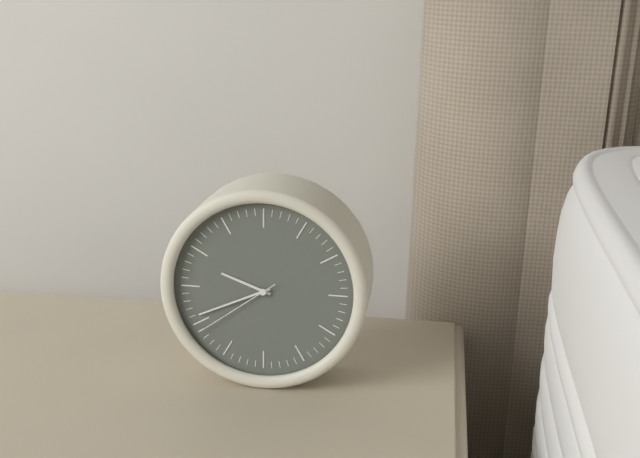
9:41:39
